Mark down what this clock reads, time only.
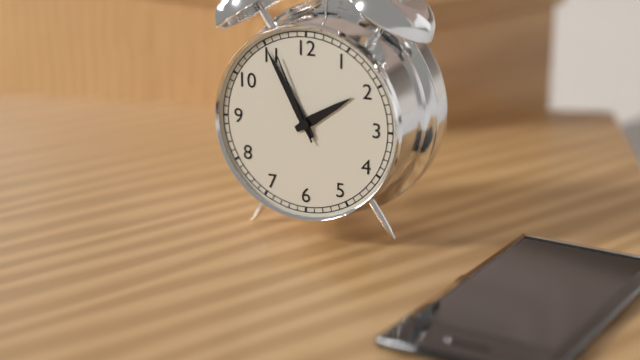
1:55:56
